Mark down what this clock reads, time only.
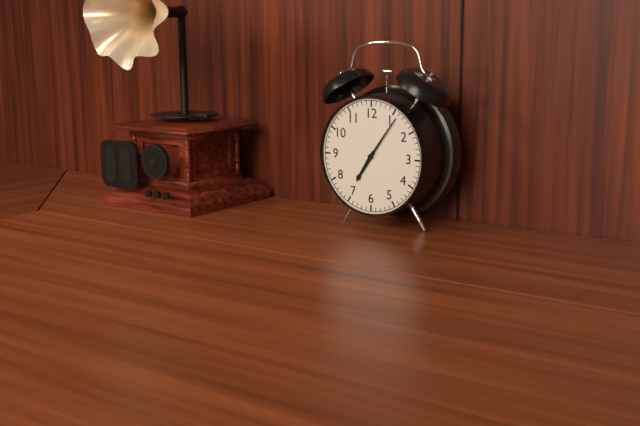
7:06
